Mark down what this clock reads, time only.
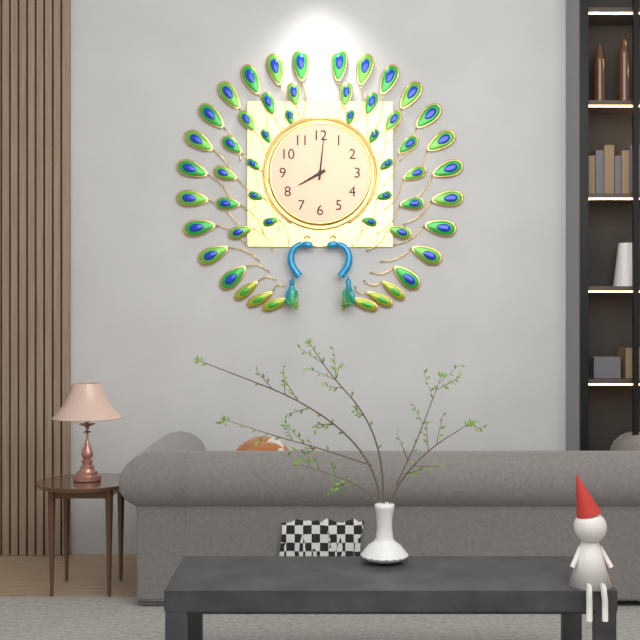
8:01
